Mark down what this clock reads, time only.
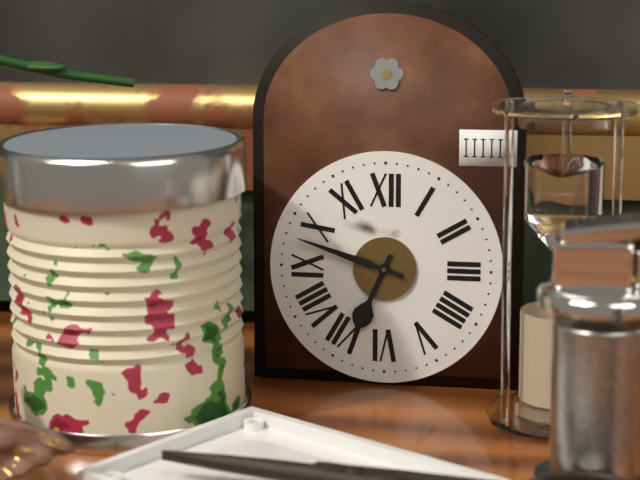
6:48
